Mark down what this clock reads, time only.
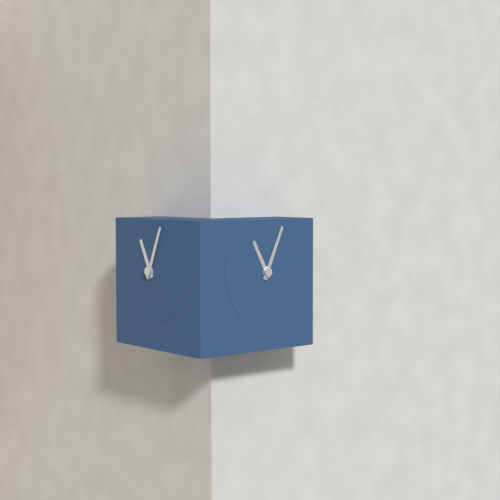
11:04
